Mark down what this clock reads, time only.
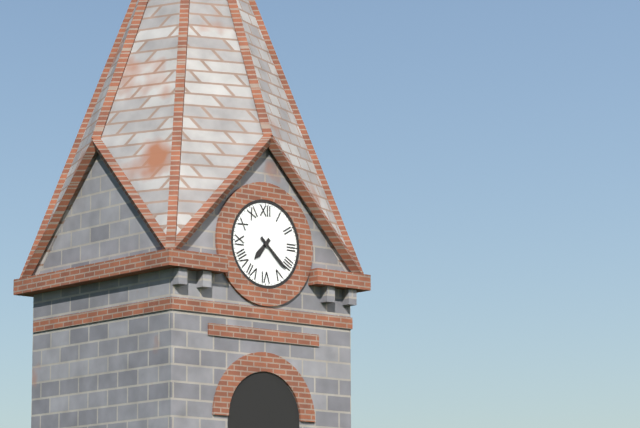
7:22
